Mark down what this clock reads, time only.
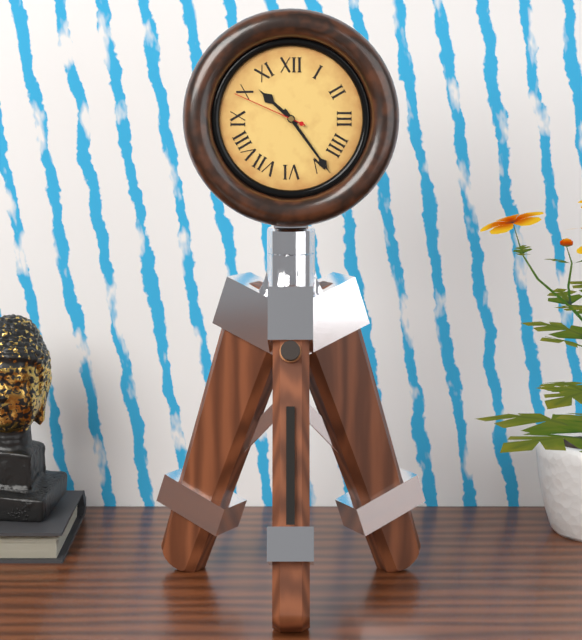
10:24:49
